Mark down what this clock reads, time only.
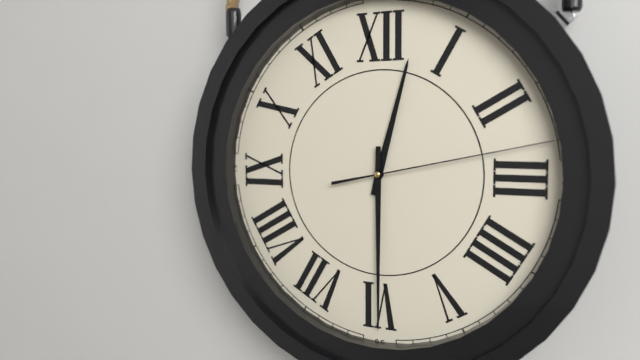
12:30:13
